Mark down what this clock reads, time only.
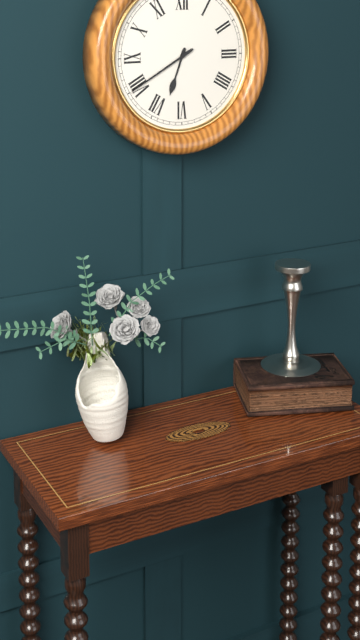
6:40
